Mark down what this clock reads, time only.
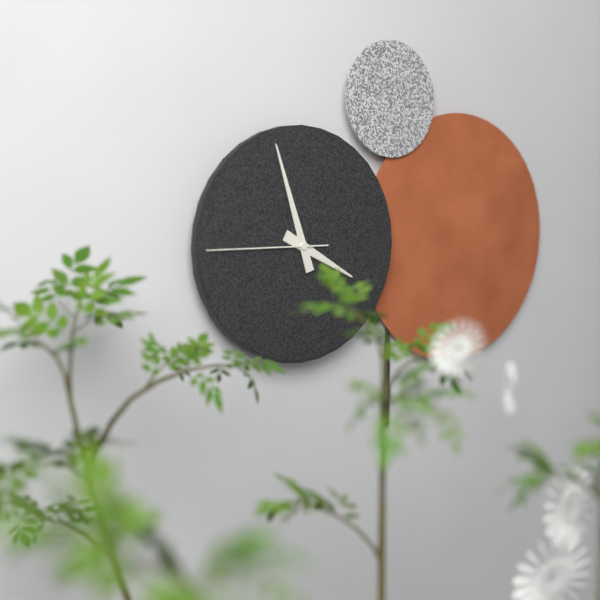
3:57:45
